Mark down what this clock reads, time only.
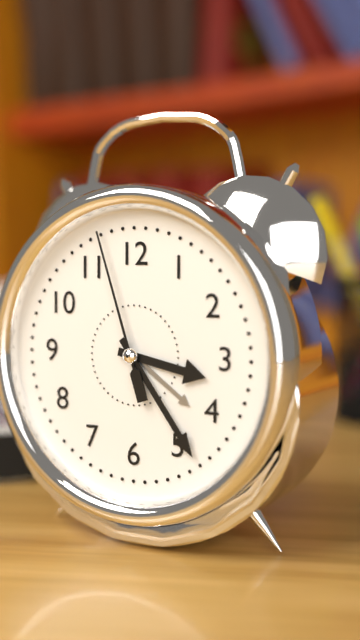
3:24:57
